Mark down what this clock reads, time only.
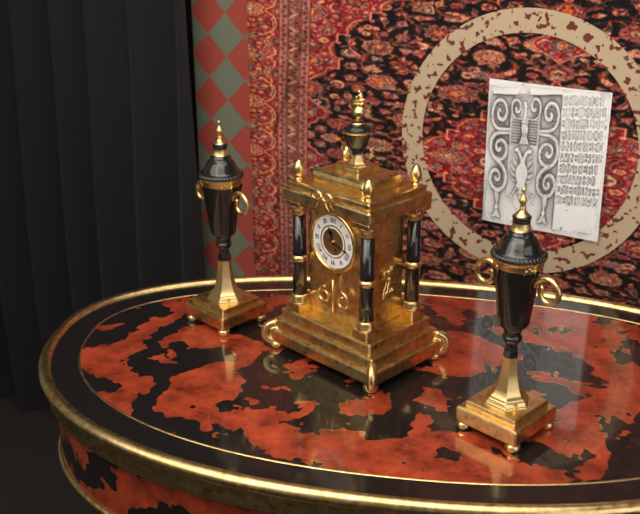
11:18
